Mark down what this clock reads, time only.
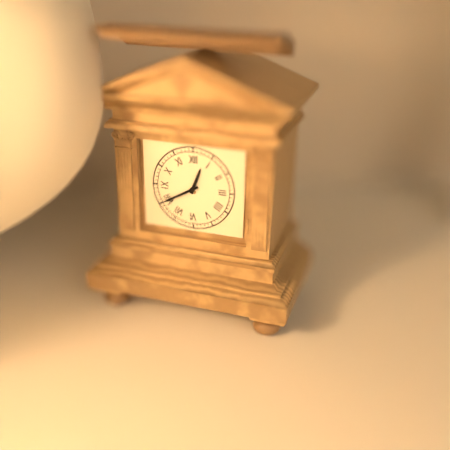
12:40
